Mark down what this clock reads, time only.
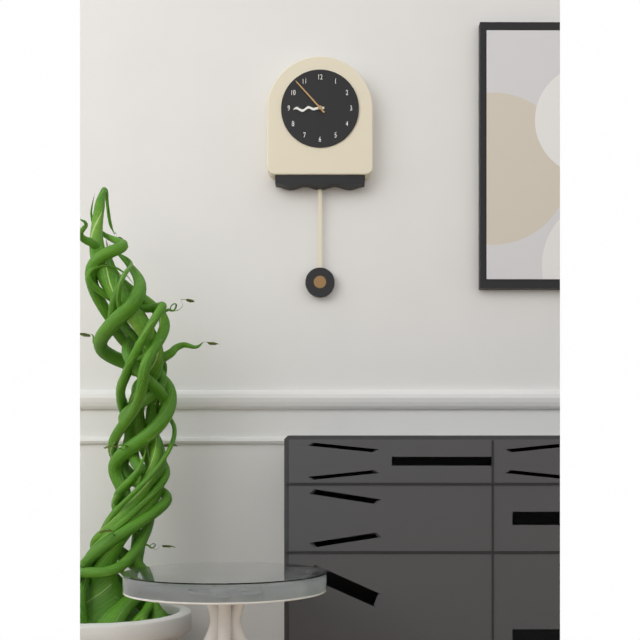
8:53
